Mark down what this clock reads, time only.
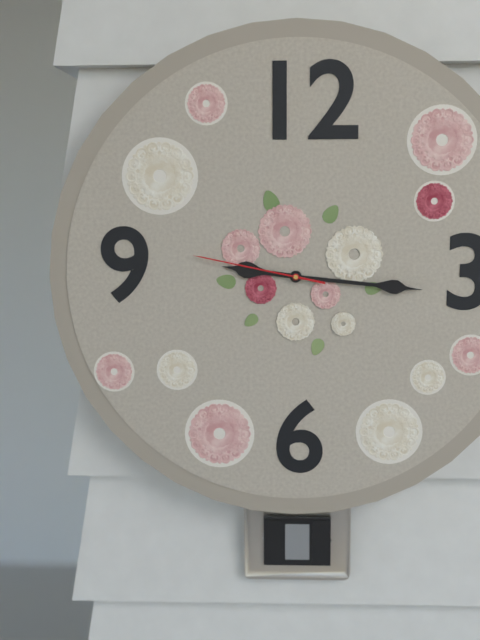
9:16:47
